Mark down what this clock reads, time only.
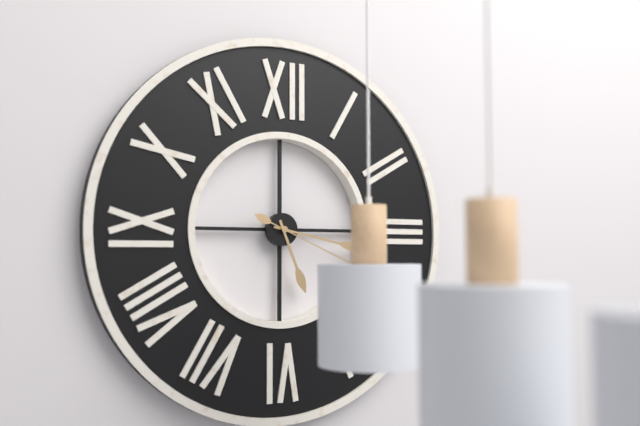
5:17:19
